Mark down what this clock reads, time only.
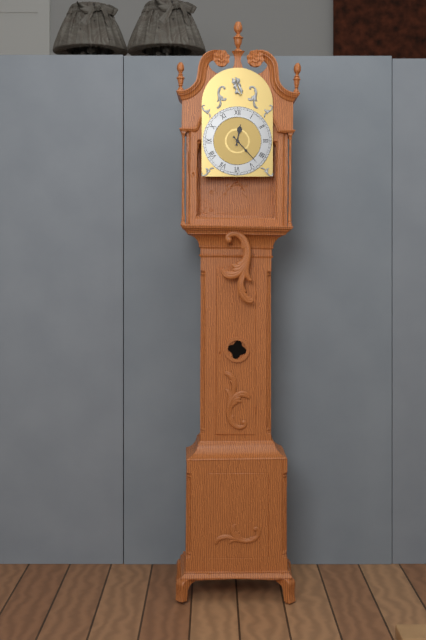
12:23
